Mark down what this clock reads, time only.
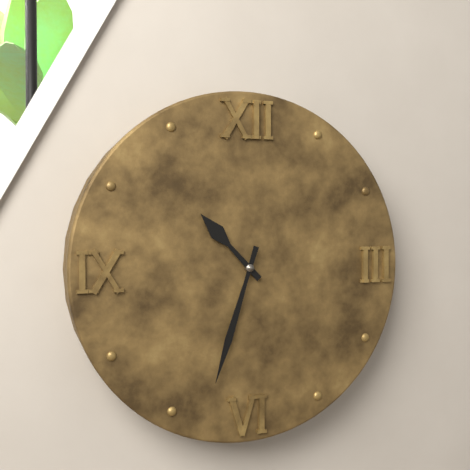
10:33
